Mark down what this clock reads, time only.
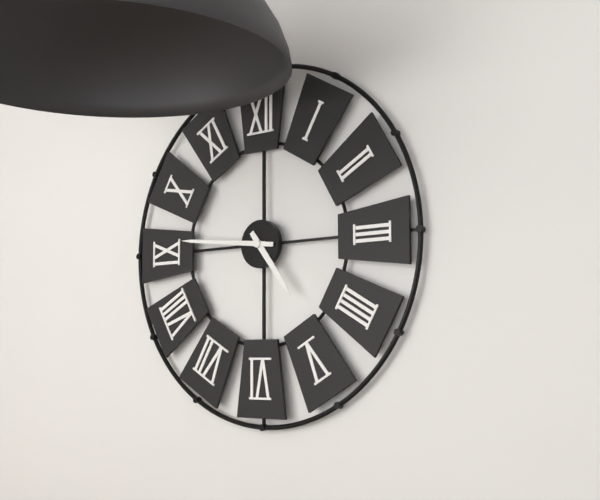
4:46
